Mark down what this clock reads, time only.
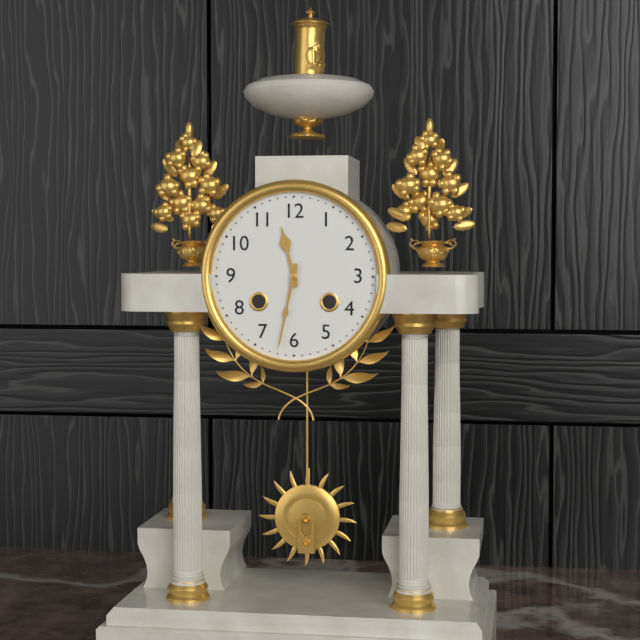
11:32
